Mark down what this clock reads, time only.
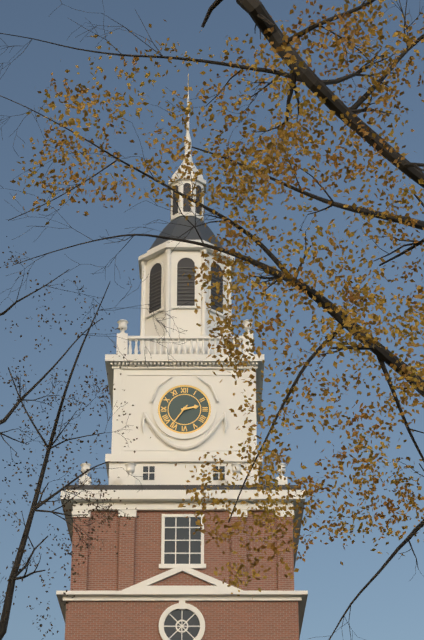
2:36
